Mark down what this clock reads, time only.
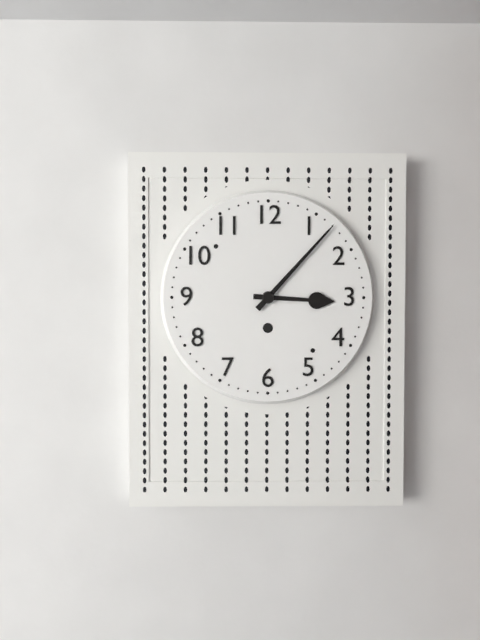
3:07
